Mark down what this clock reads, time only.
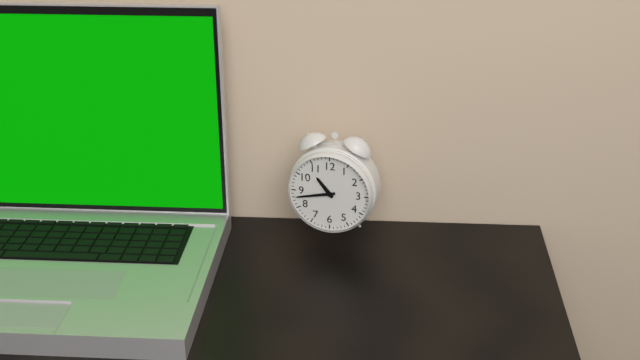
10:43
